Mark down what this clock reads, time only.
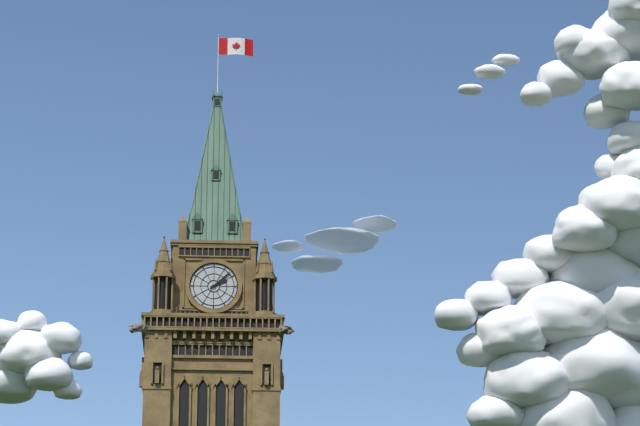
2:08
